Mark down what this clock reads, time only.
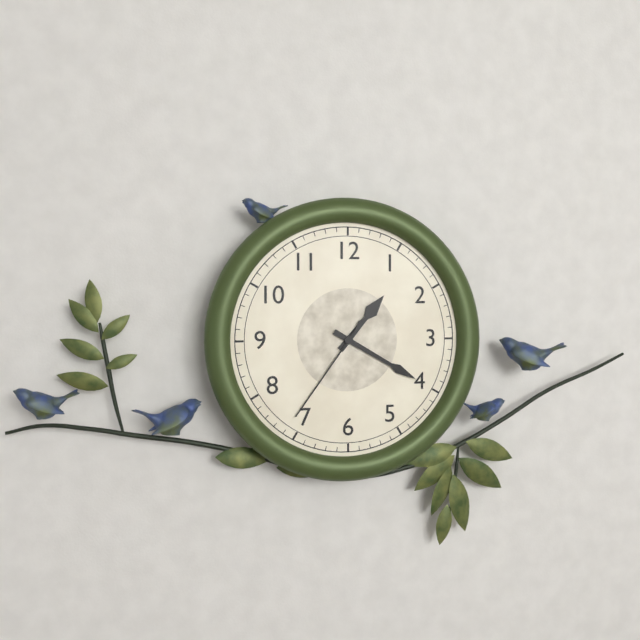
1:20:36
